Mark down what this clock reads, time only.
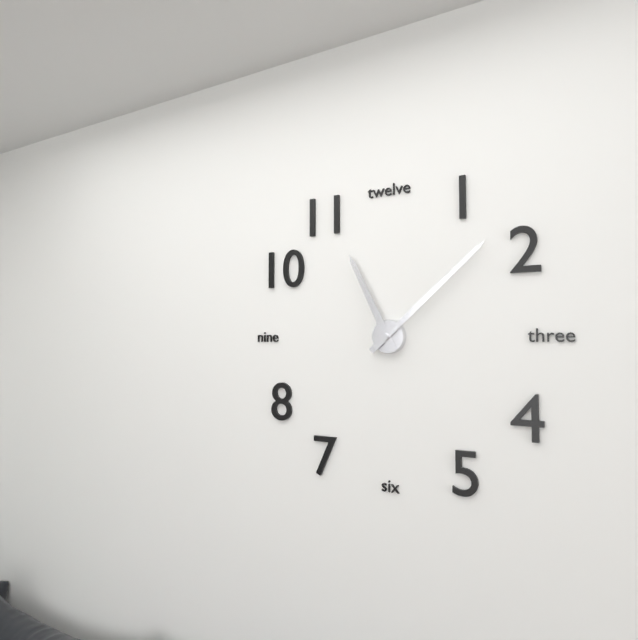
11:08
